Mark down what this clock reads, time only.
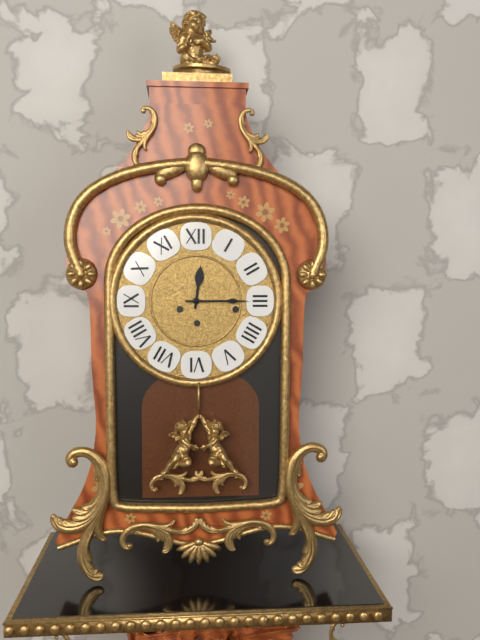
12:15
